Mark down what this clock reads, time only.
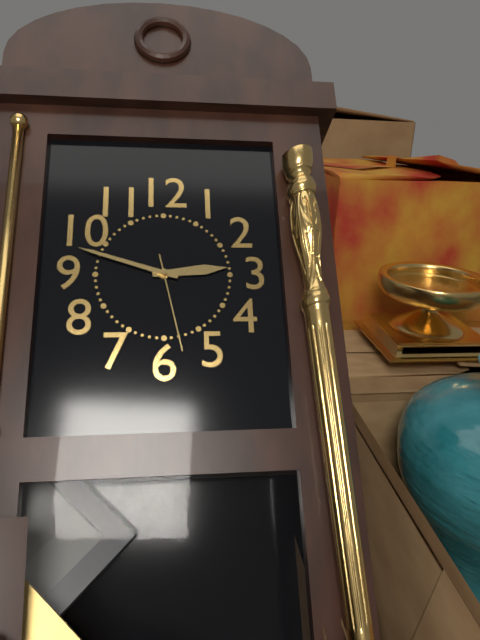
2:48:28
